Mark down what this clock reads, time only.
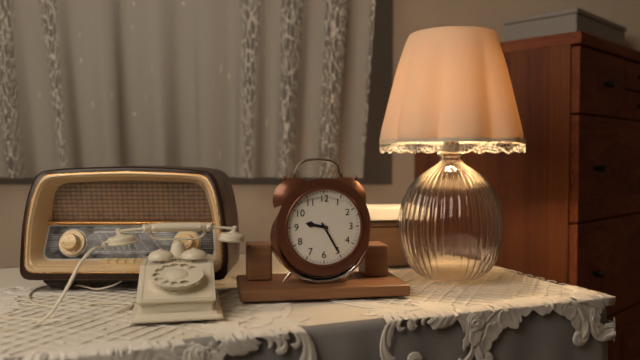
9:25
